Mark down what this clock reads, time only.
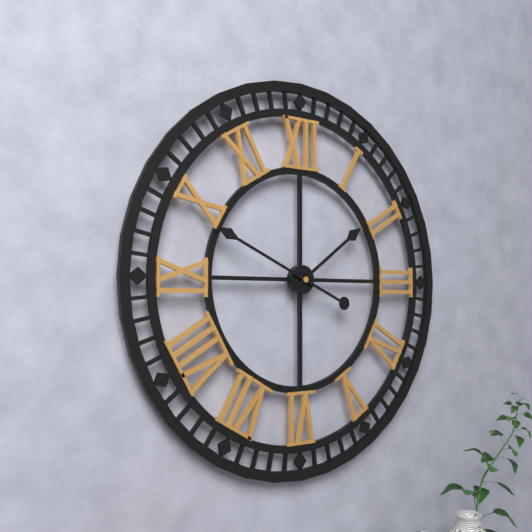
1:49
